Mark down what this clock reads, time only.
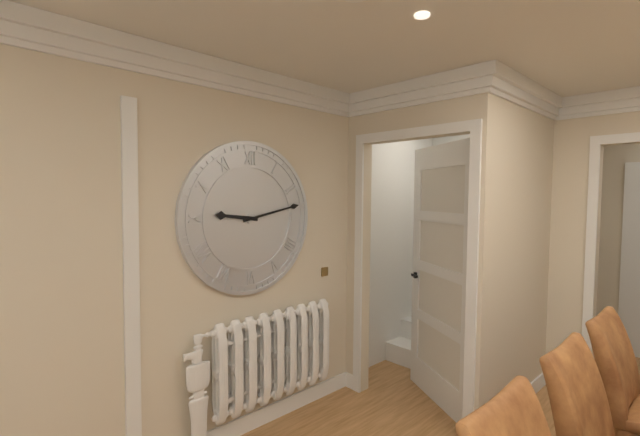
9:13
